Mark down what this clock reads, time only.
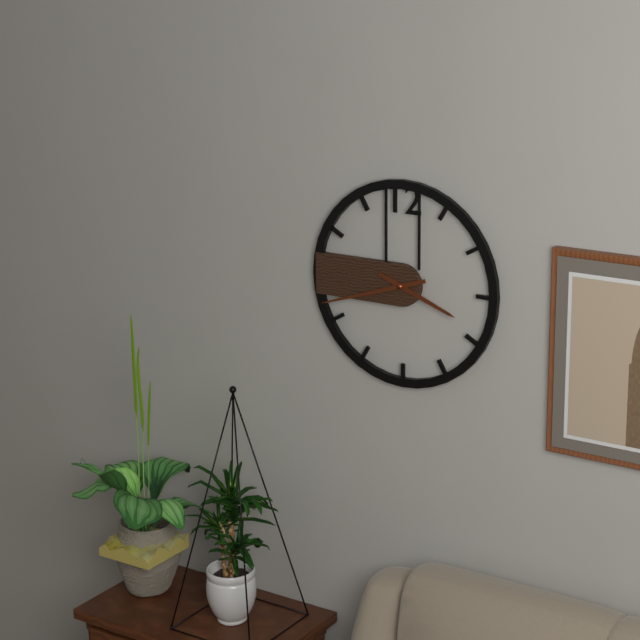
3:42
